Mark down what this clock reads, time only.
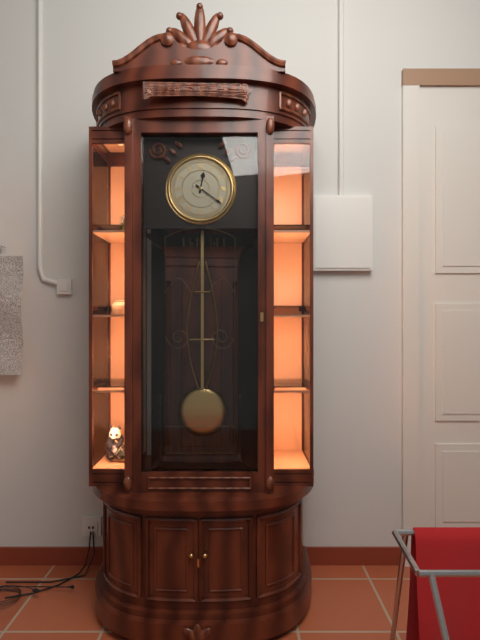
12:21
